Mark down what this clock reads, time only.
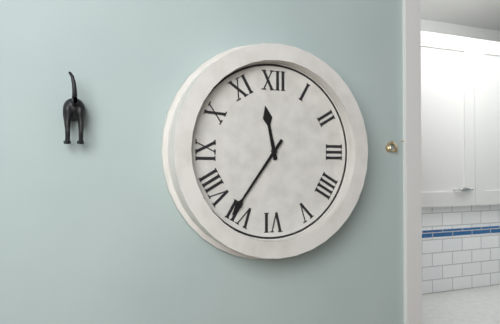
11:36
